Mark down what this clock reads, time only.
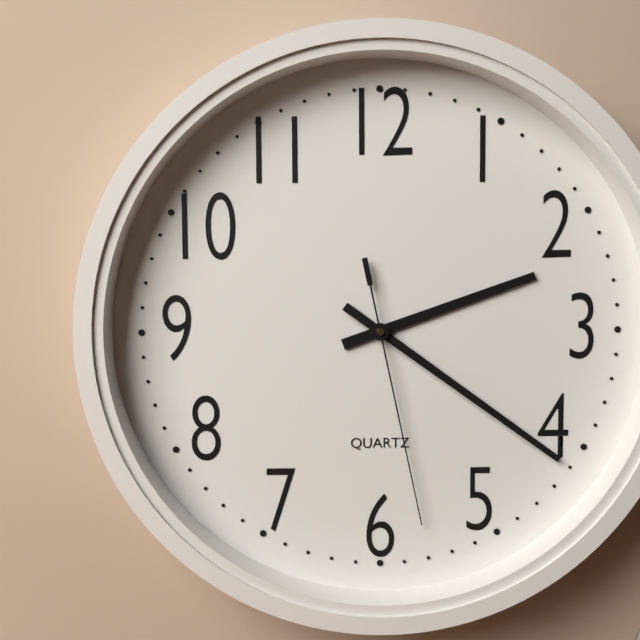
2:21:28
